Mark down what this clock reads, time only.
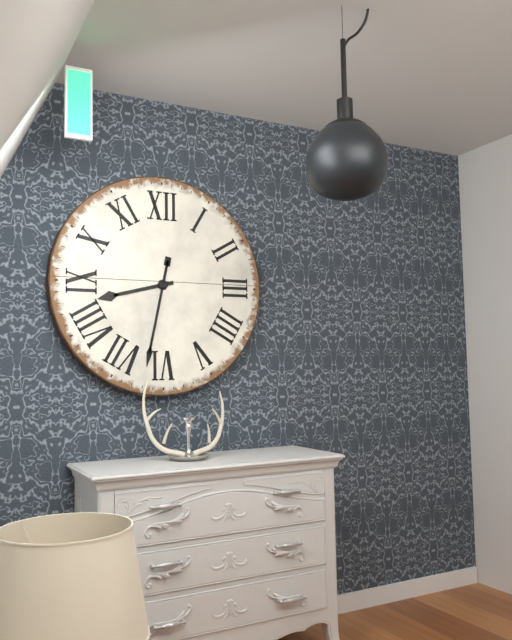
8:32
